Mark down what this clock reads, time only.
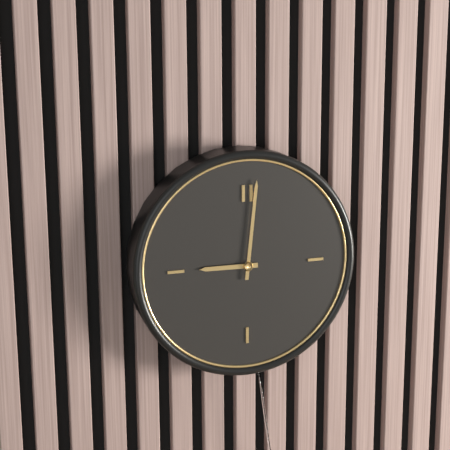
9:01
